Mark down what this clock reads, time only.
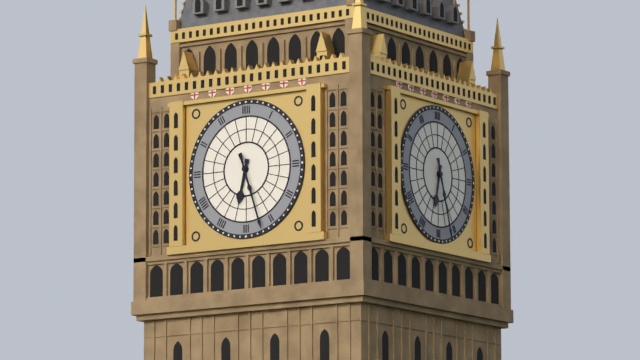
6:27
